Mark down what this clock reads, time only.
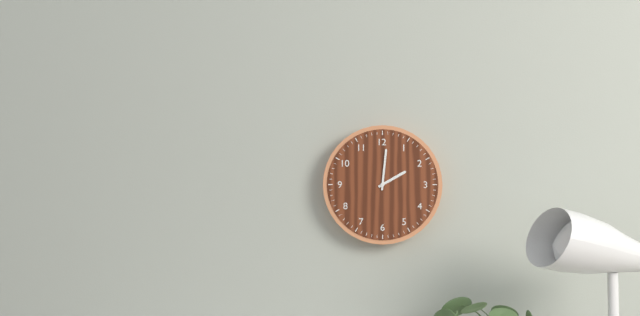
2:01
